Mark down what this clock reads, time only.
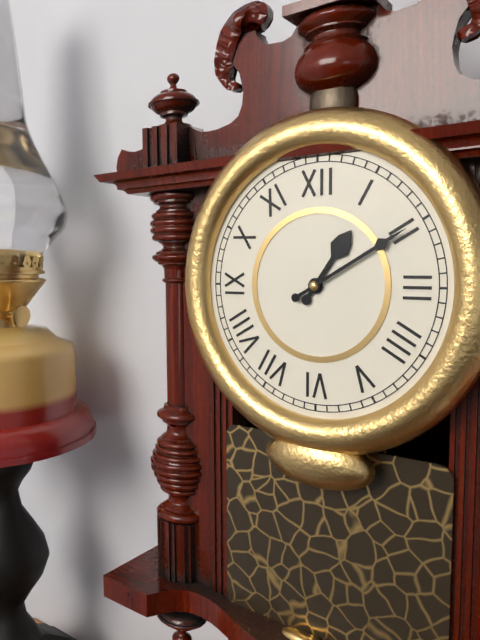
1:10
